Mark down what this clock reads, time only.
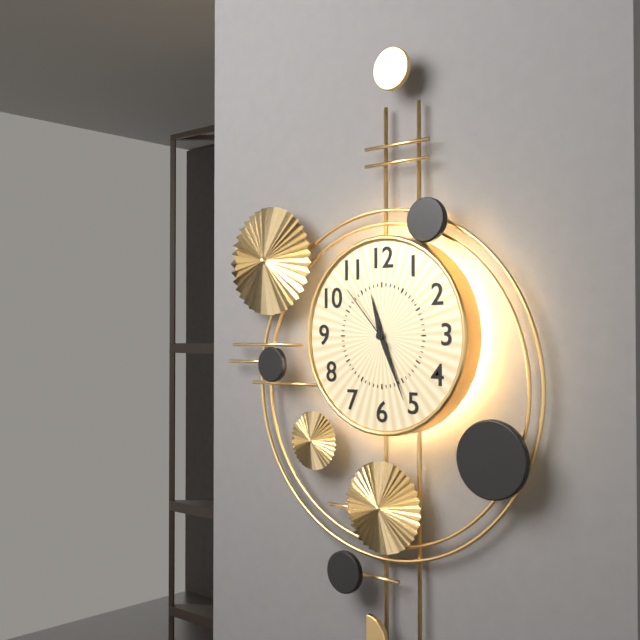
11:26:53
